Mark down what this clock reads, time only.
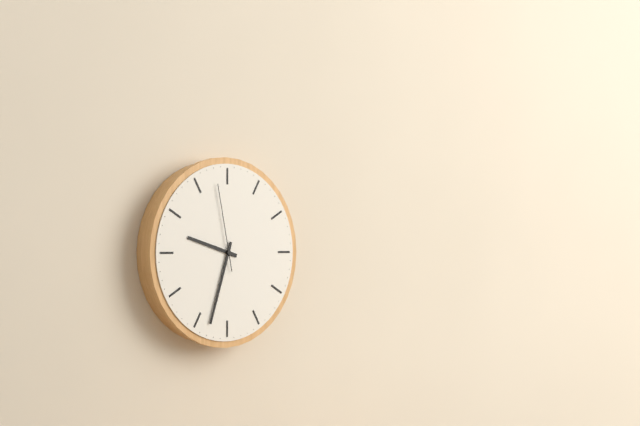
9:33:58
